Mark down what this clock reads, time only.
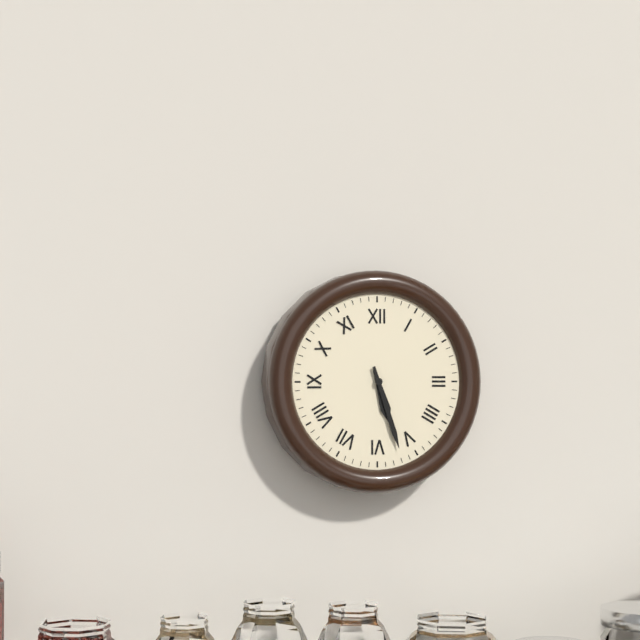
5:27
